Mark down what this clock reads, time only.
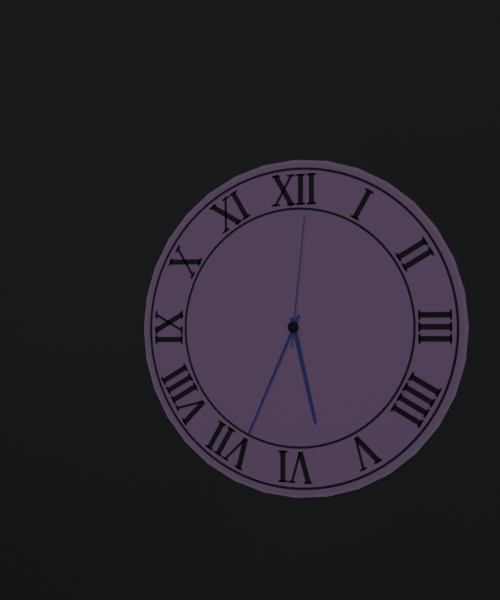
5:34:01
